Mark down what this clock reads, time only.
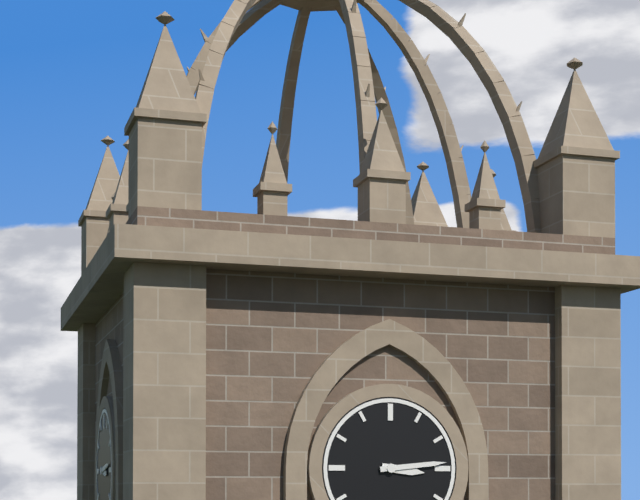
3:14
